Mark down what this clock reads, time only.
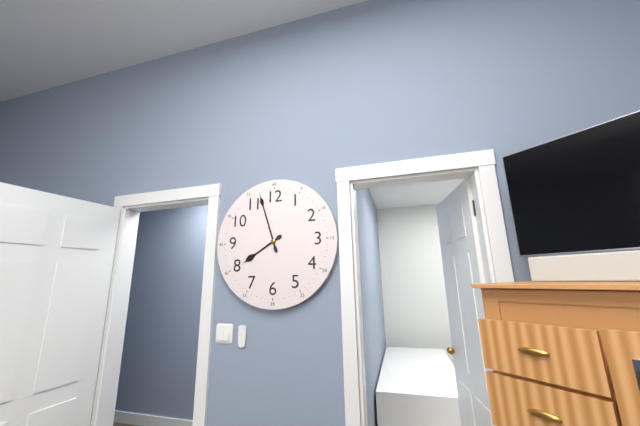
7:57
